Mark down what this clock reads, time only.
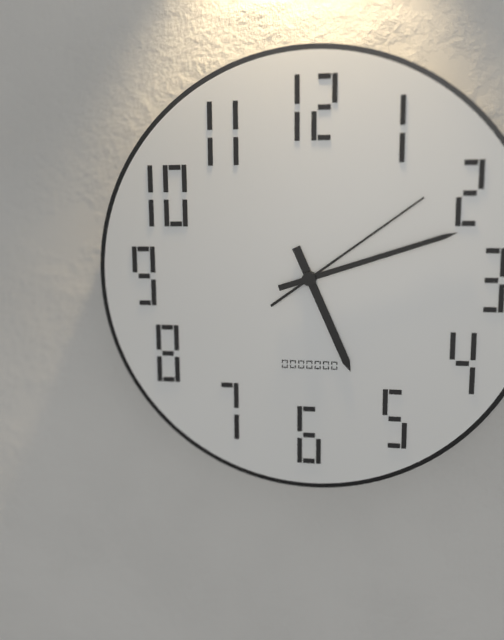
5:12:09
